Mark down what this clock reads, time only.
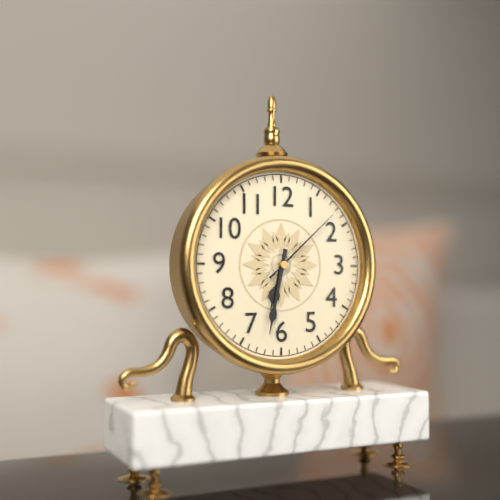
6:32:08
